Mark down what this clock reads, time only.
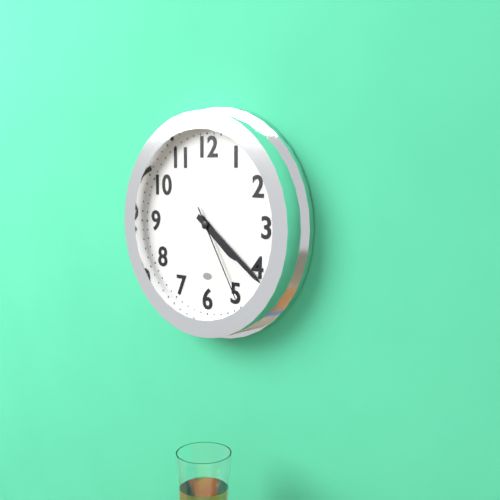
4:21:25
